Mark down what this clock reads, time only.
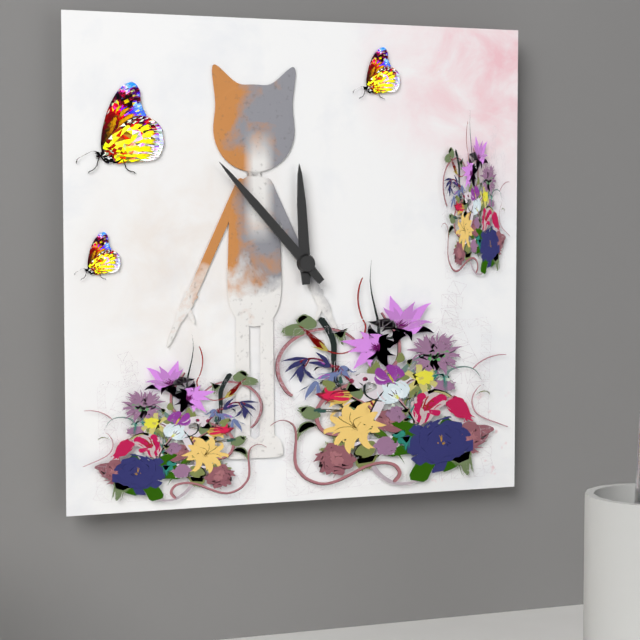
11:53
